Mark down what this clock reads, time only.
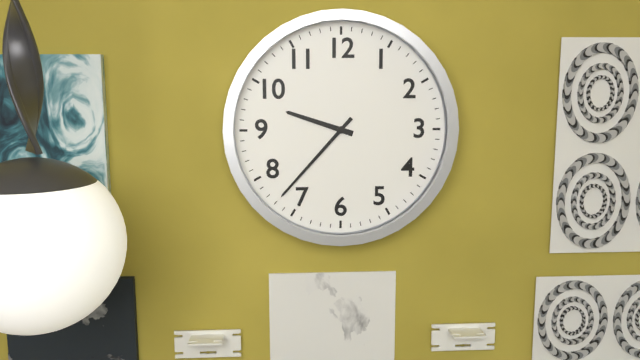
9:37
